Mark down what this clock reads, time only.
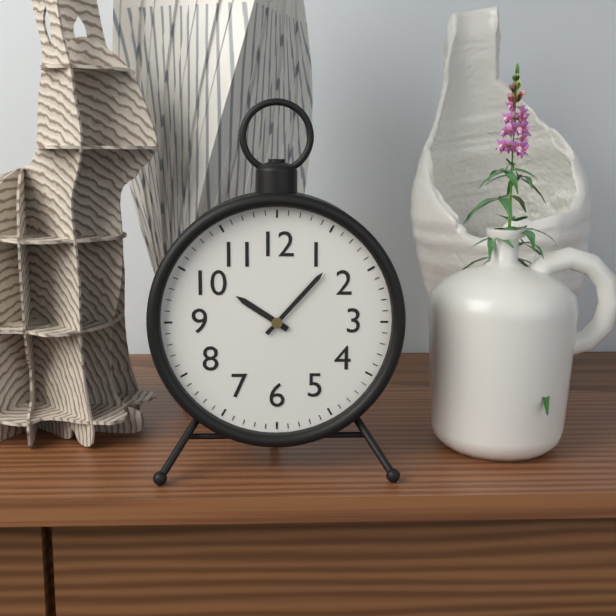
10:07
